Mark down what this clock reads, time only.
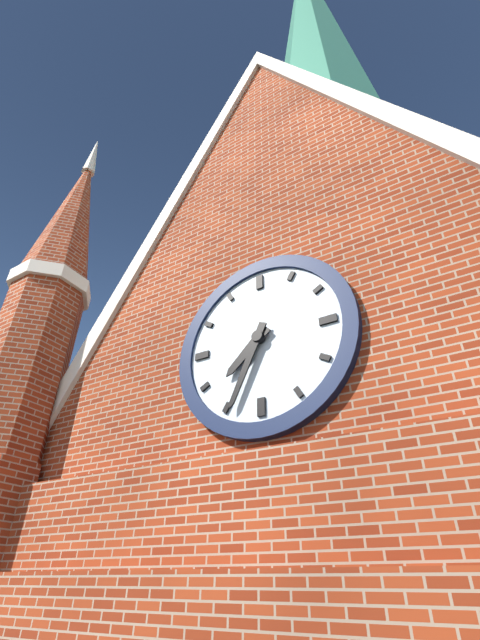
7:34
